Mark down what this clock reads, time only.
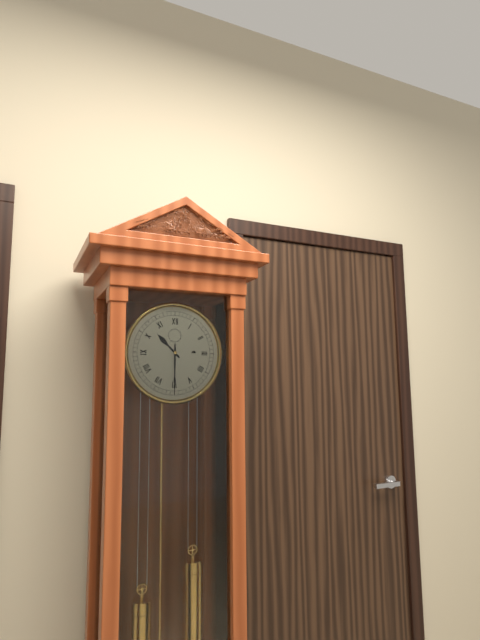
10:30
